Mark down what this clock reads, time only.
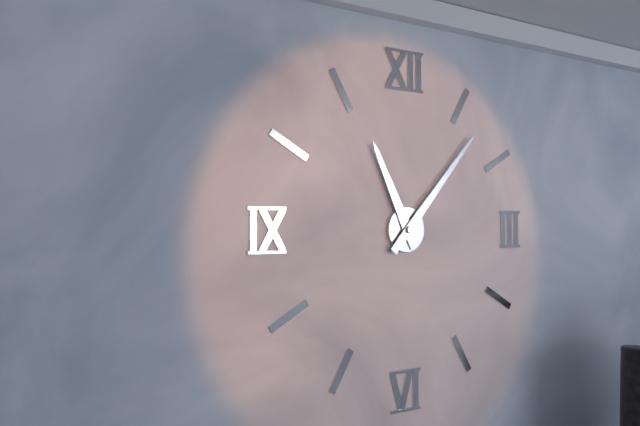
11:07
